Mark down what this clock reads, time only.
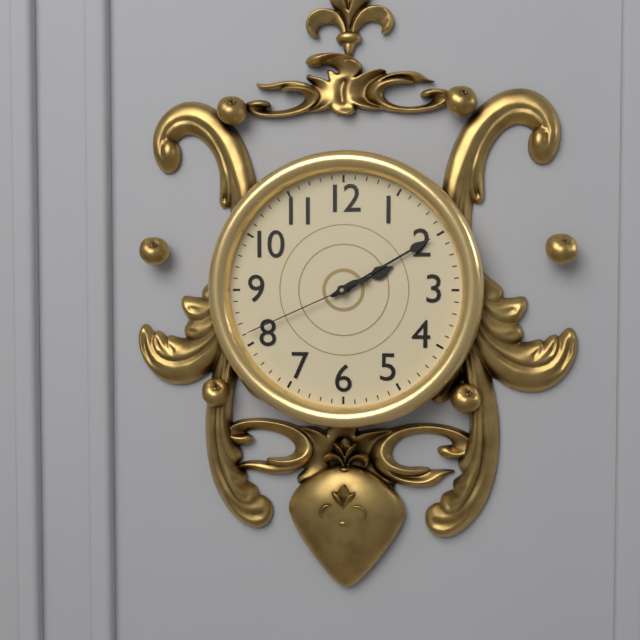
2:10:41
